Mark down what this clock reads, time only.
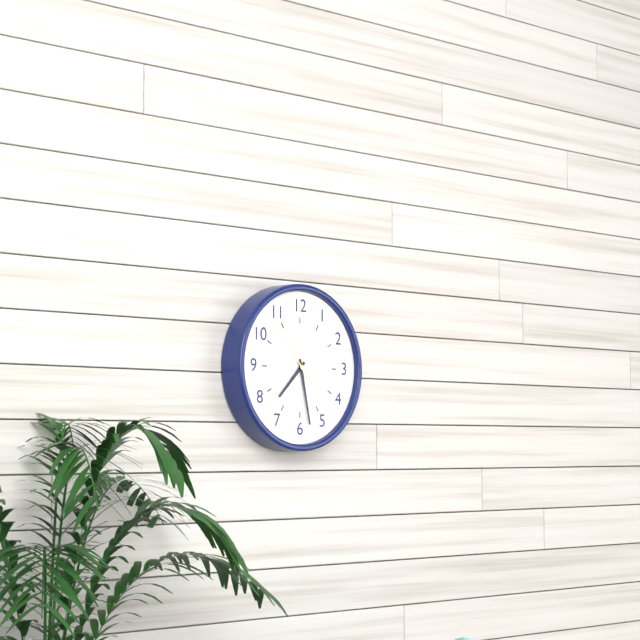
7:28:54
